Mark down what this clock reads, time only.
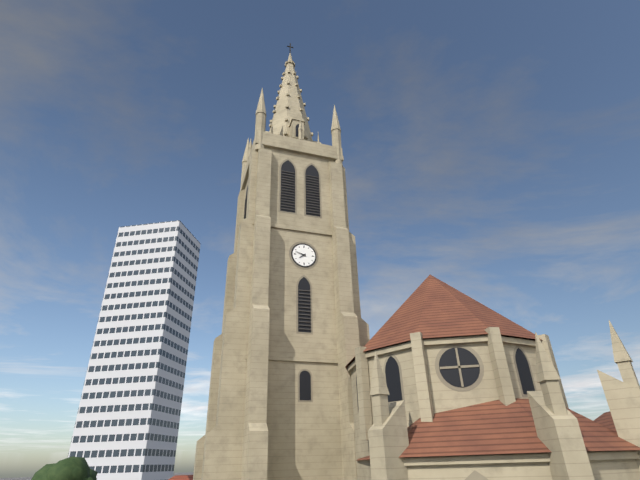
7:48
